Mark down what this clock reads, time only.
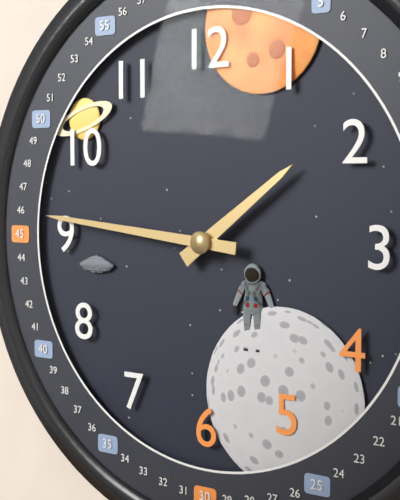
1:46
